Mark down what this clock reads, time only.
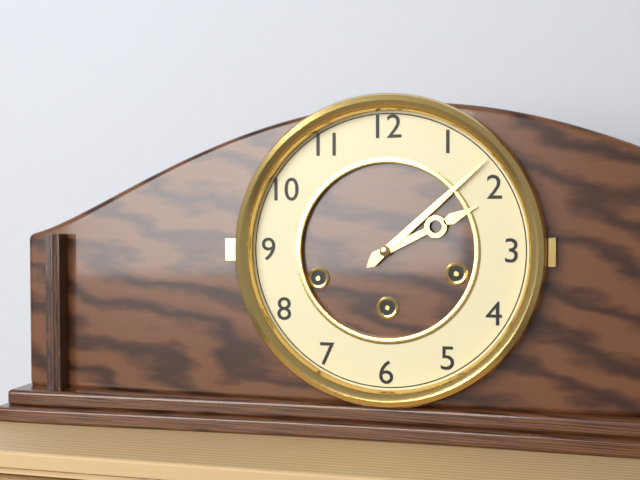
2:08
